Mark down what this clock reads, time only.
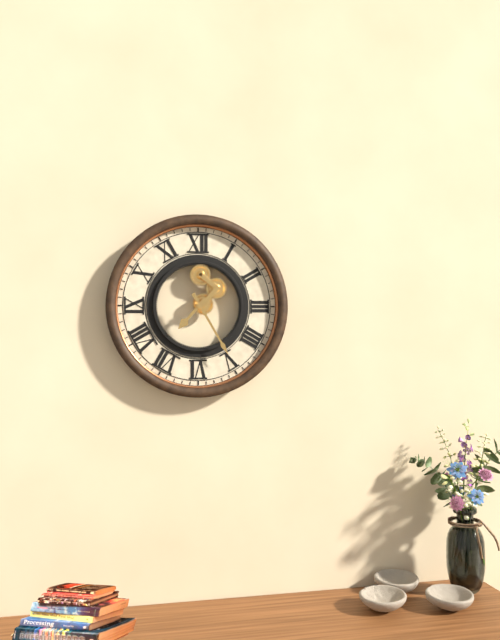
7:25
